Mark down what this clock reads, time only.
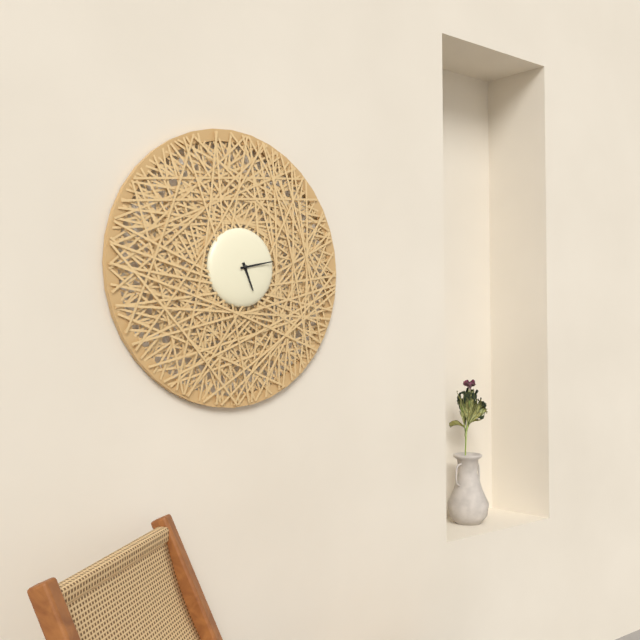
5:13
